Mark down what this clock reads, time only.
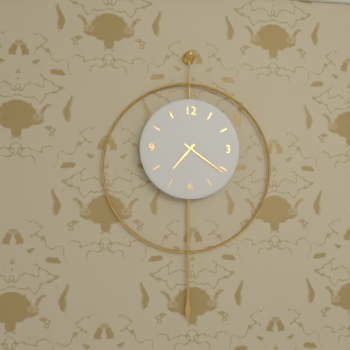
7:21
